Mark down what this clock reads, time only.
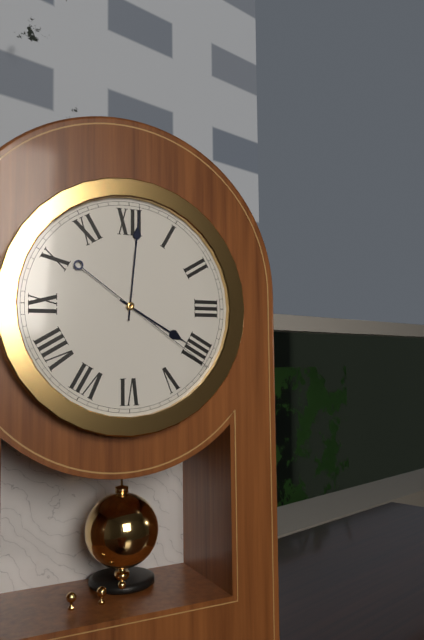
4:01:21
